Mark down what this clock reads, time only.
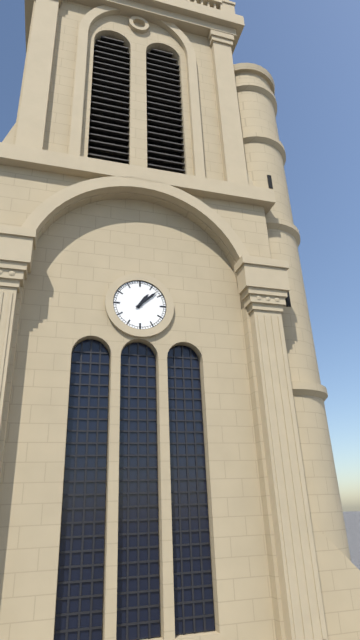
1:08
